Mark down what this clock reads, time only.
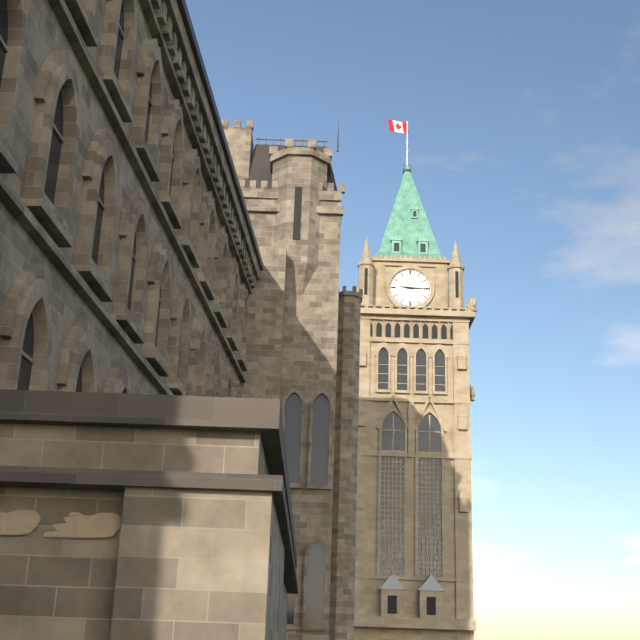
9:15
